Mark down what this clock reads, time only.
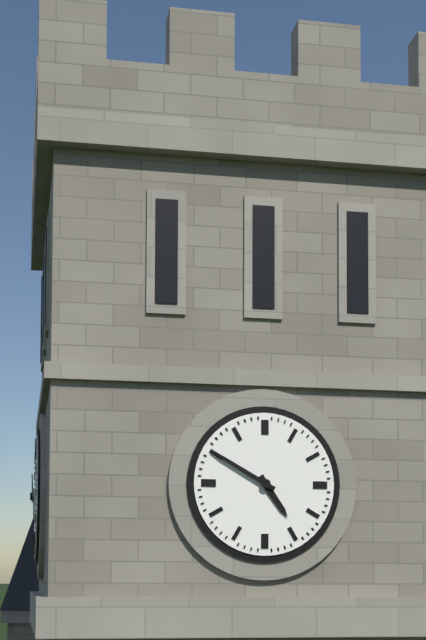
4:50
